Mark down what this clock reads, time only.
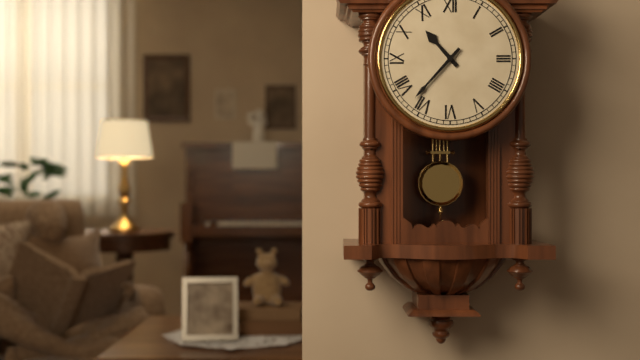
10:37
